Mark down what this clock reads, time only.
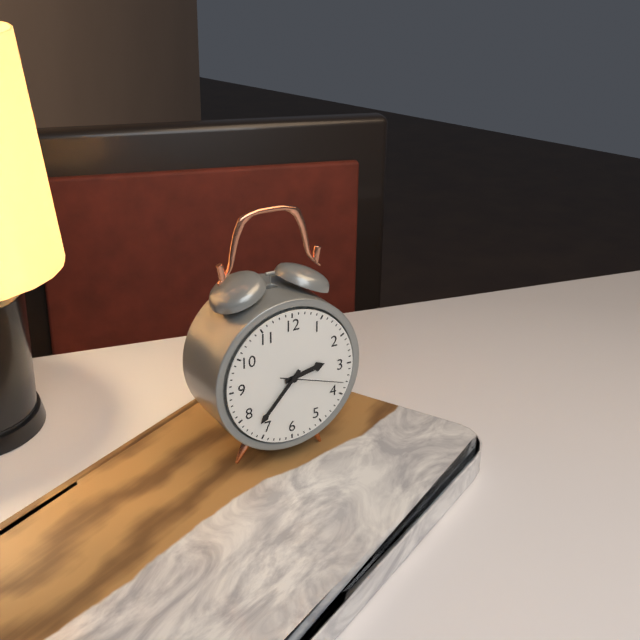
2:37:18
